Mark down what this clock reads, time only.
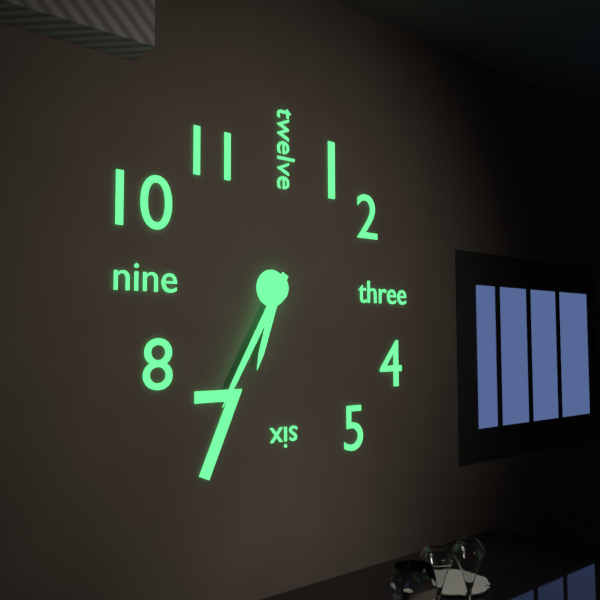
6:35
